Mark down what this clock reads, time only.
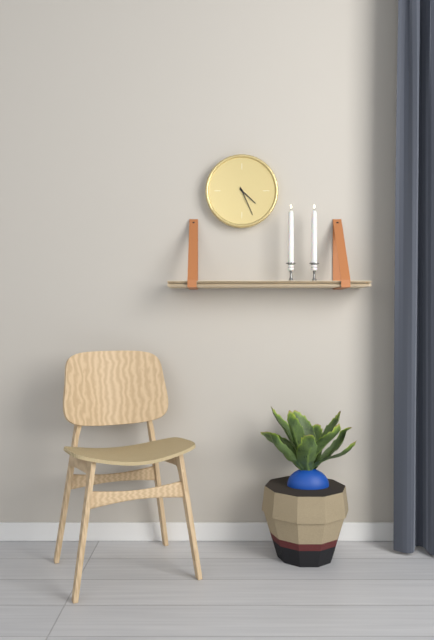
4:26
